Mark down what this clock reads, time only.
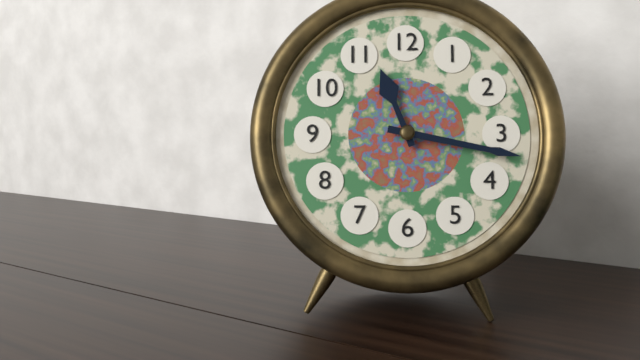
11:17
